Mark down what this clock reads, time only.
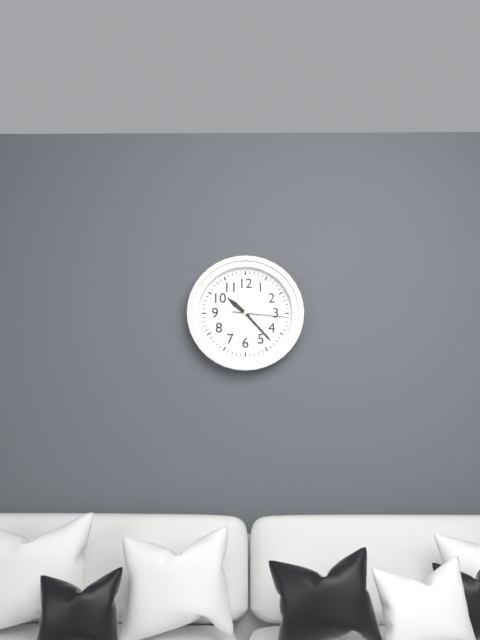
10:23:16
